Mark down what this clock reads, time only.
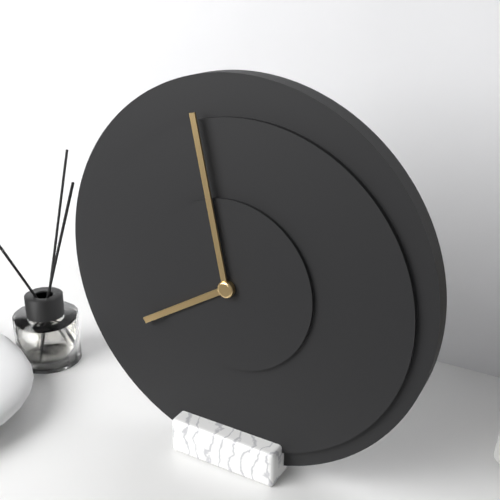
7:58
